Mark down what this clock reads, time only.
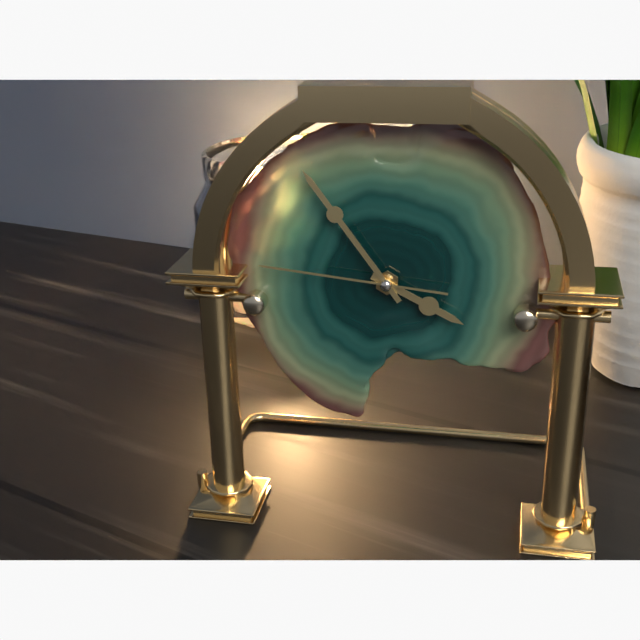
3:54:46
